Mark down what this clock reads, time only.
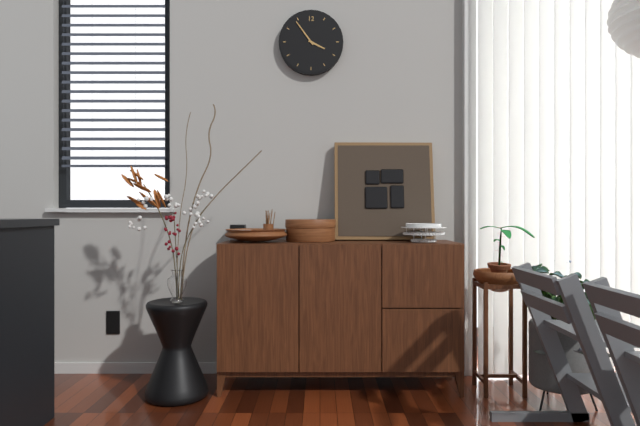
3:54
